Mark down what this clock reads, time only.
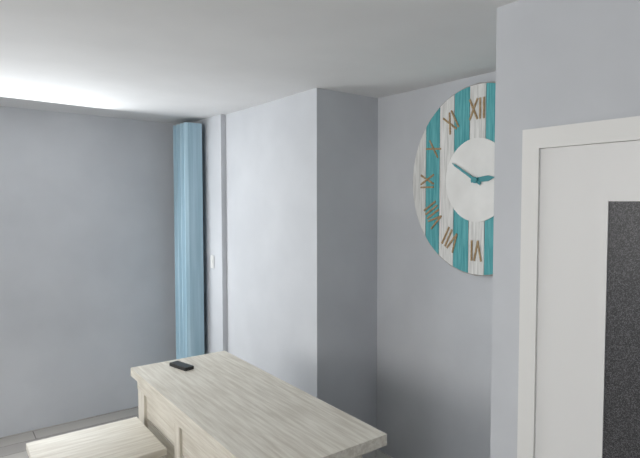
2:50
